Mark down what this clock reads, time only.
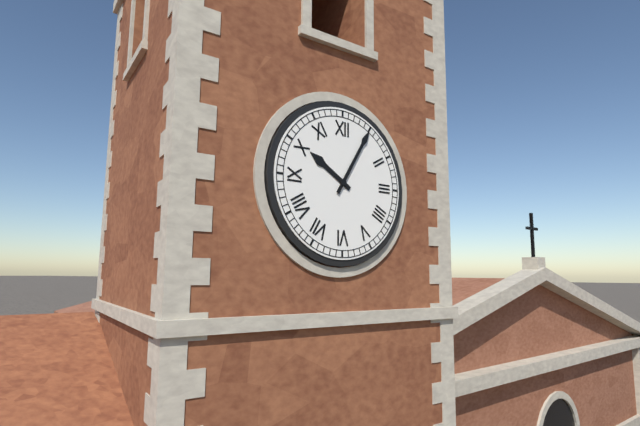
10:05
